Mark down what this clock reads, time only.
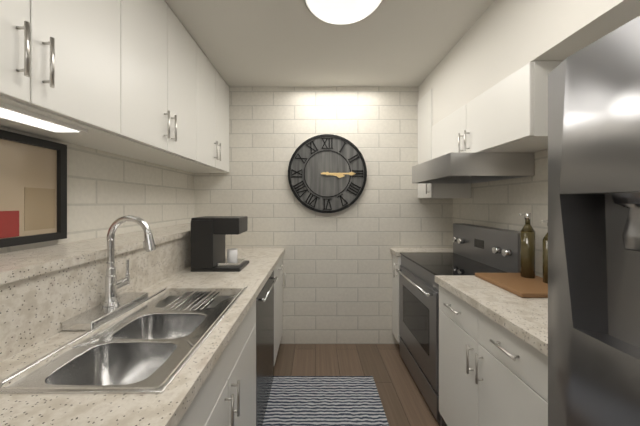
3:15
